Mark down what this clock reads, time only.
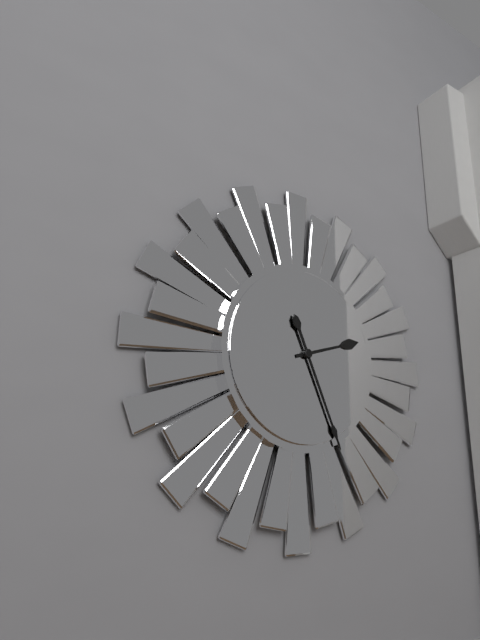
2:26
